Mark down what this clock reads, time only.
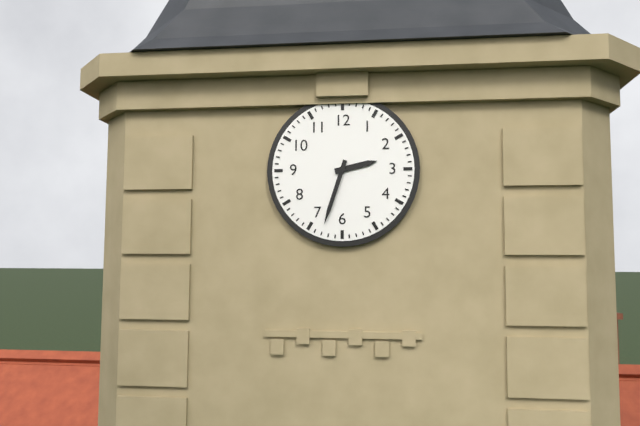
2:33
